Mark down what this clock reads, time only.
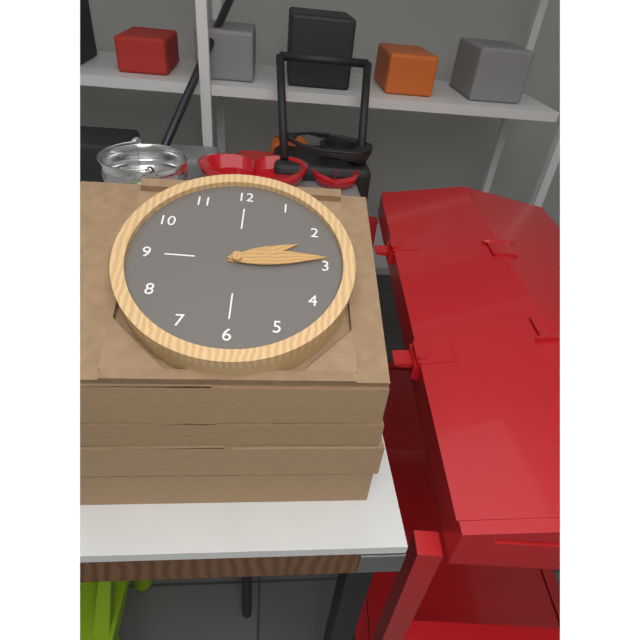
2:14
